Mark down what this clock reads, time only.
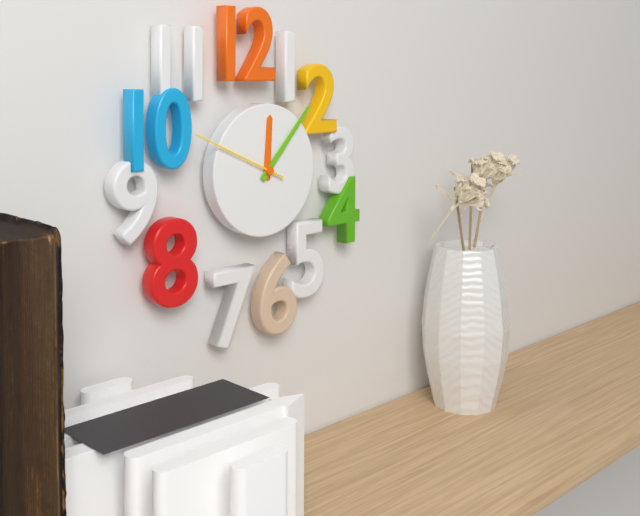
12:07:49
